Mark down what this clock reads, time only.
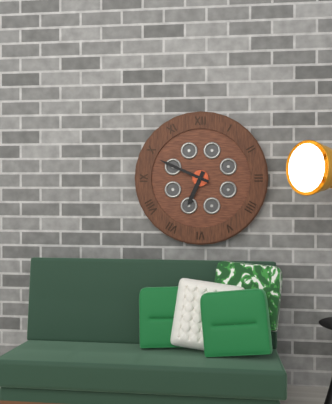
6:49
